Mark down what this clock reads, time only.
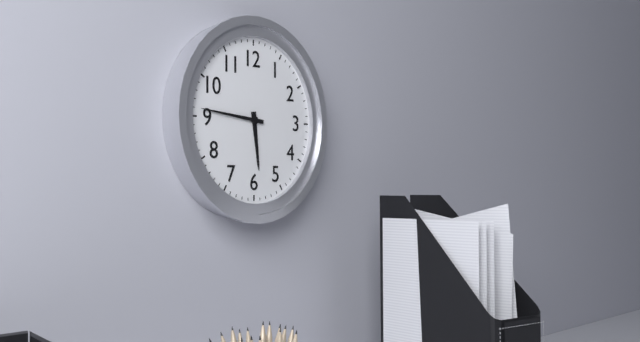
5:46
